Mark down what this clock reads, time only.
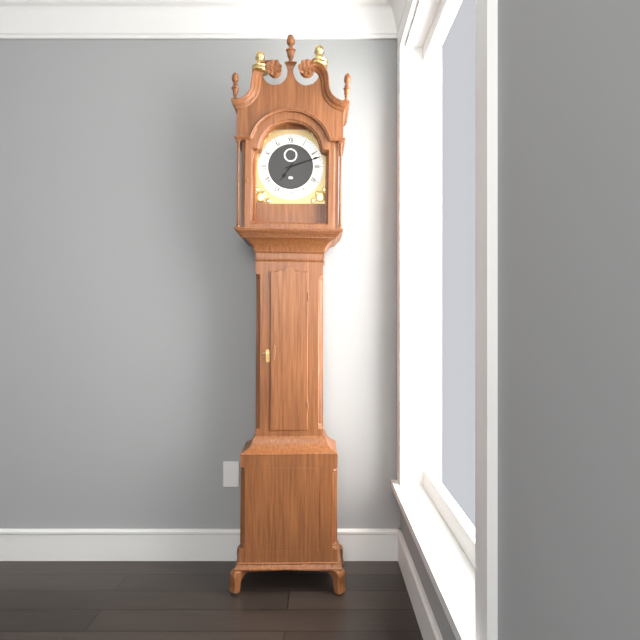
7:12
